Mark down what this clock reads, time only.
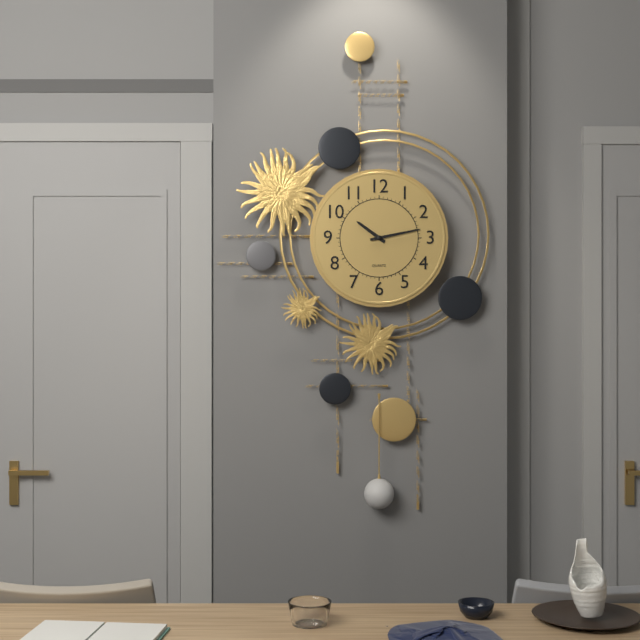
10:13
